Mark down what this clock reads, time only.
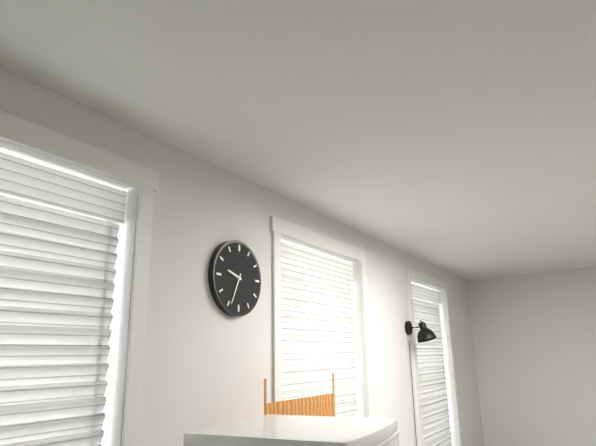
9:34
